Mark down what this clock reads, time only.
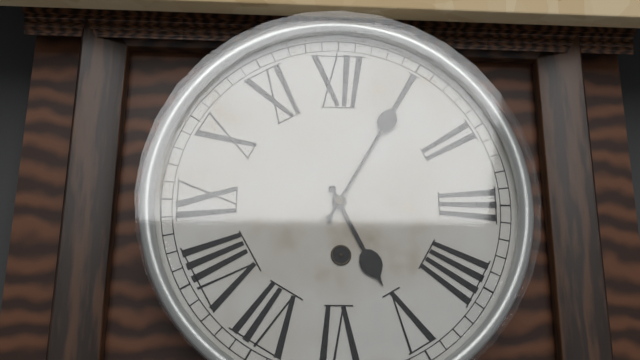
5:05
